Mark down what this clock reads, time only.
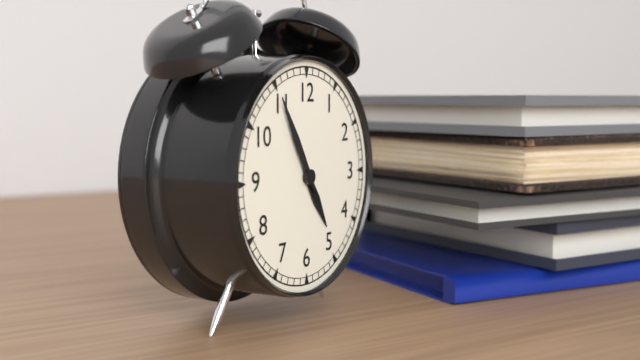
4:55
